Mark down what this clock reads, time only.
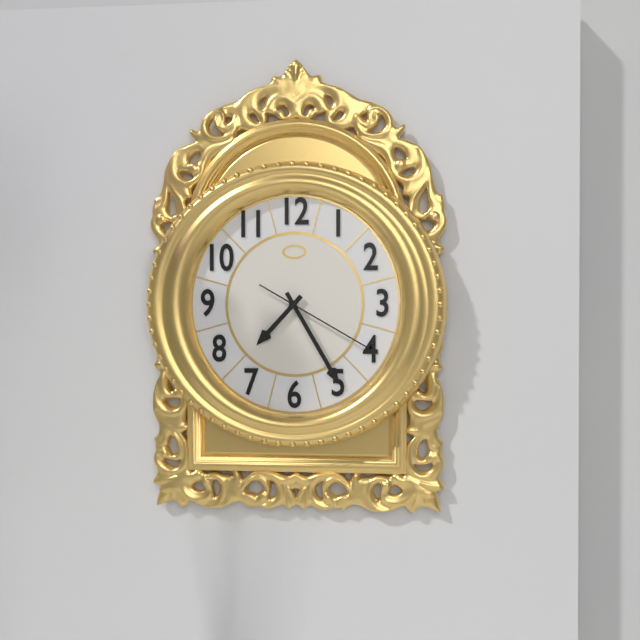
7:25:20
